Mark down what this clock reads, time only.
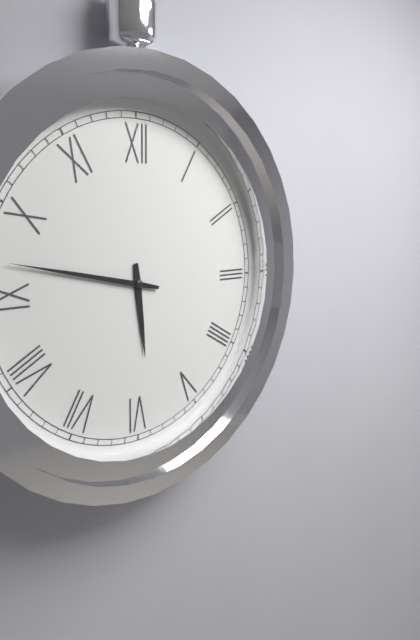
5:47
